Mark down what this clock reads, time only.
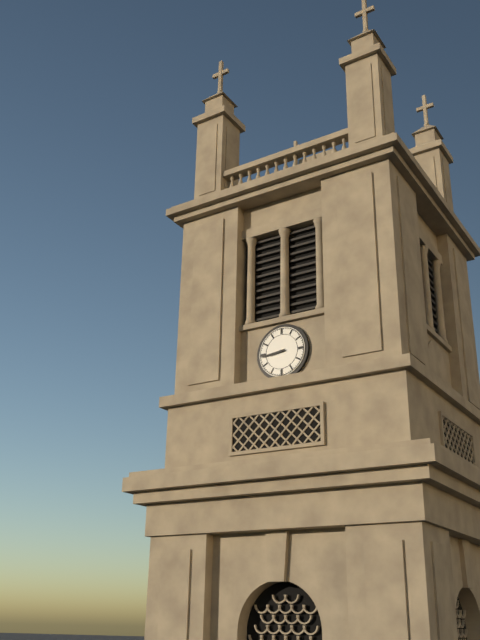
8:44
